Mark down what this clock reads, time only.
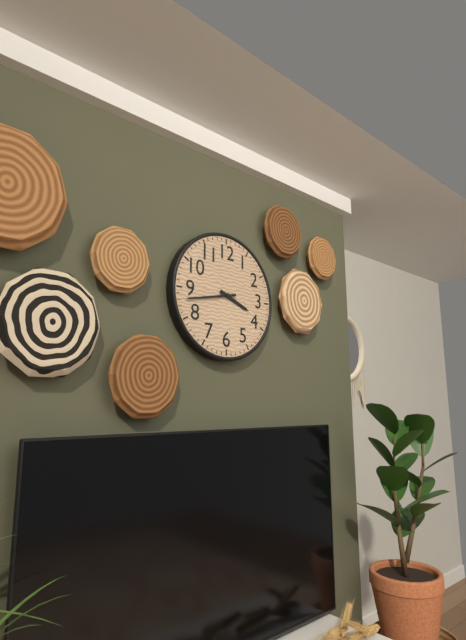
3:43
